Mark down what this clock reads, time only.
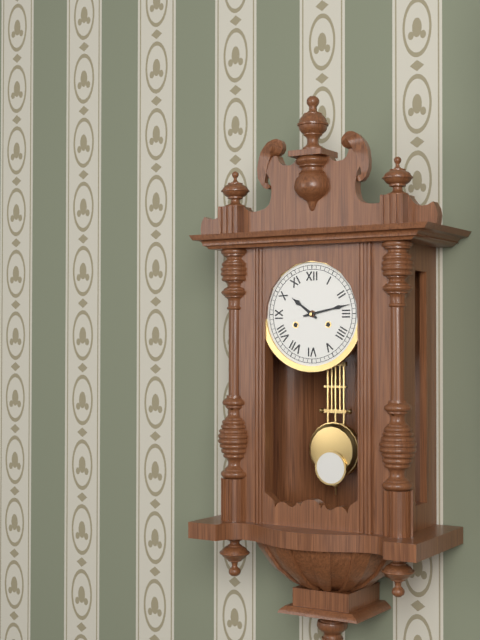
10:13
